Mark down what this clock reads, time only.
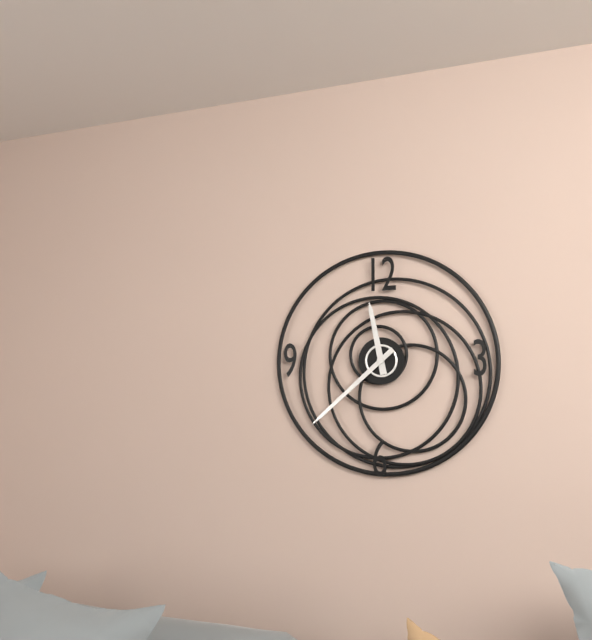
11:38
